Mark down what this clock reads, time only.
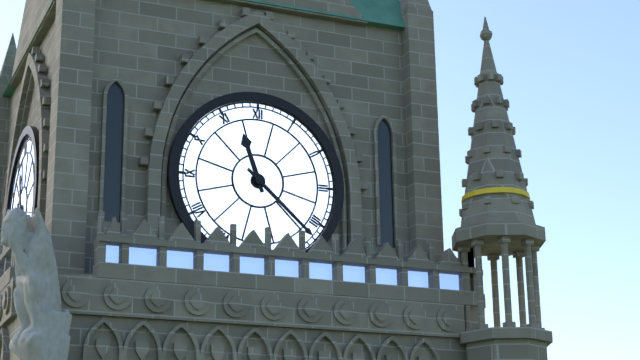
11:22
